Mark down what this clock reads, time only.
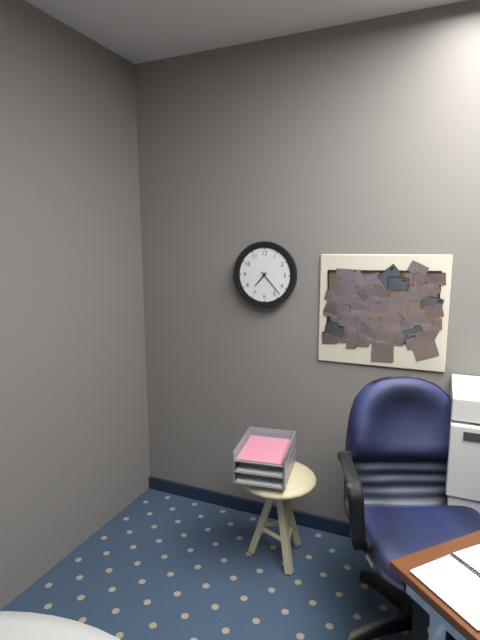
7:23
